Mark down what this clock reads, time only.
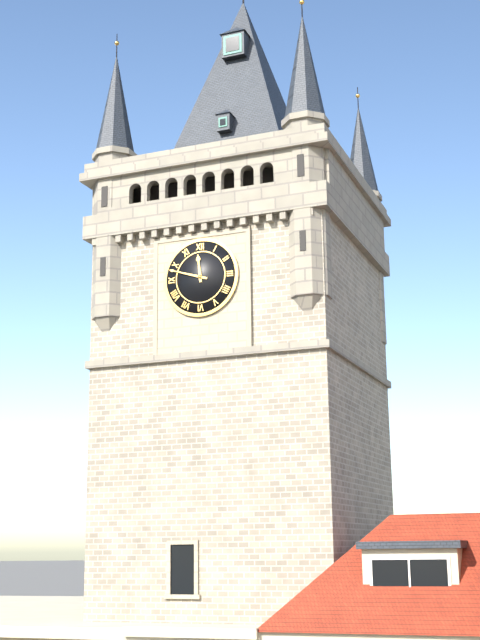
11:48
